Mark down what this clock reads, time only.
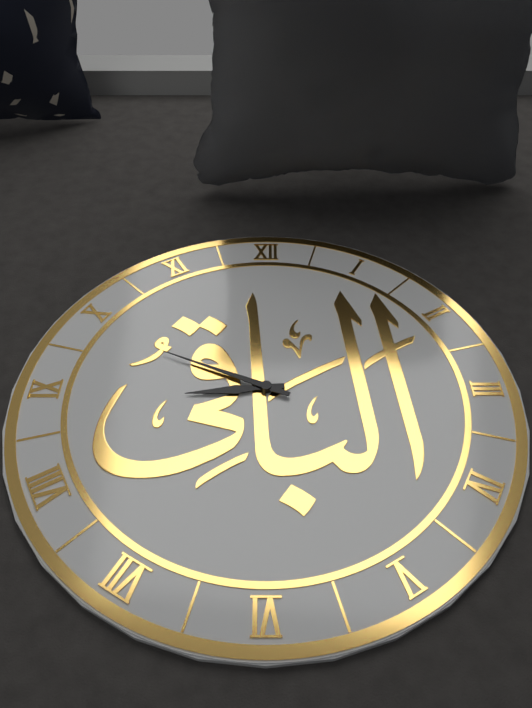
8:49
